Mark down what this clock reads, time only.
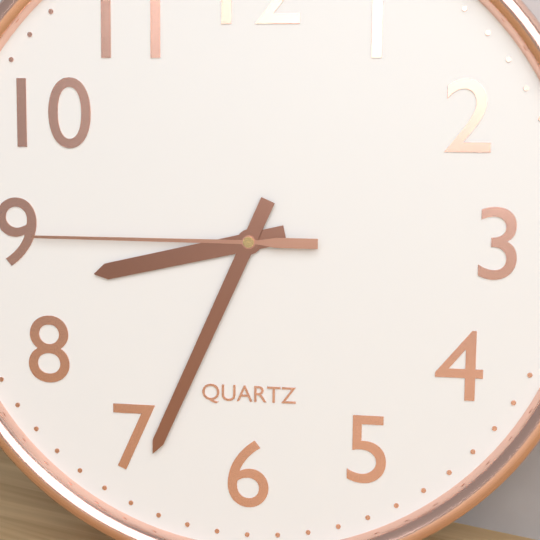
8:34:45
